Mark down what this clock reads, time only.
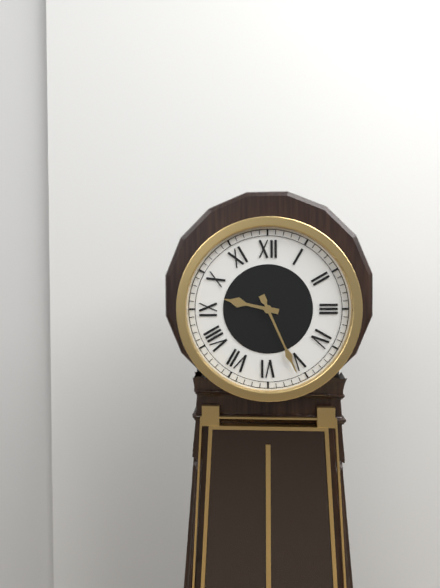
9:26
